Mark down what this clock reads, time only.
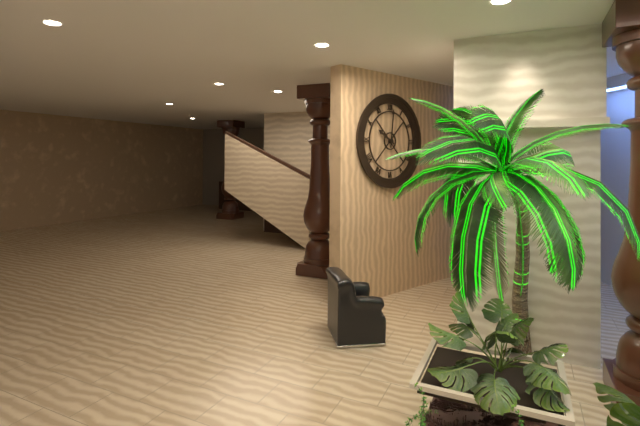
10:01
